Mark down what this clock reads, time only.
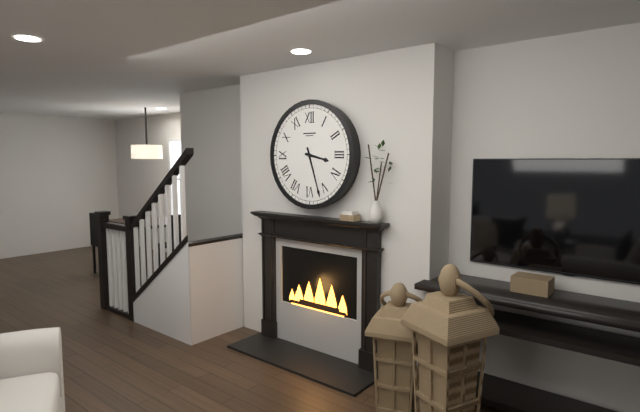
3:27
